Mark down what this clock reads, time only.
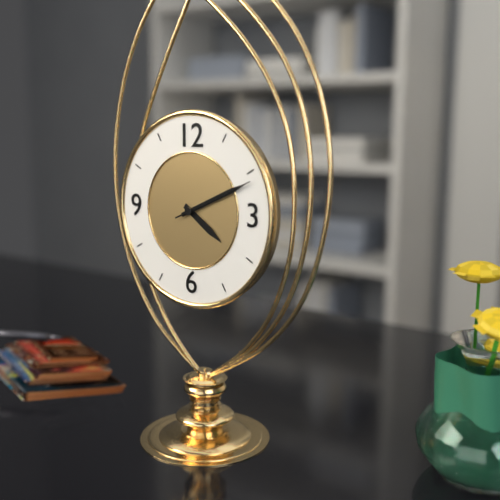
4:11:11
